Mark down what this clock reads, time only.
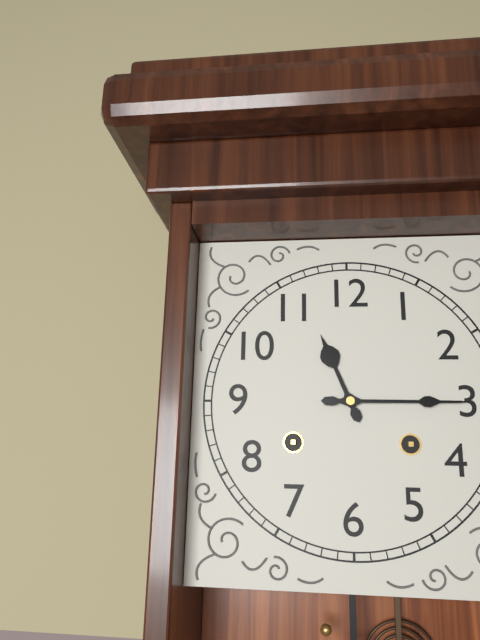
11:15
